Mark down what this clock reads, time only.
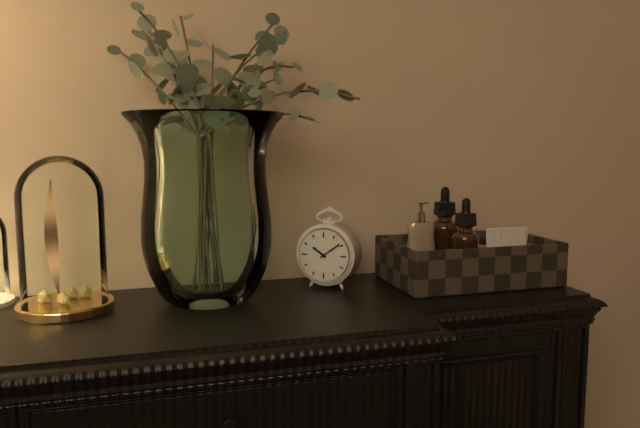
10:09
